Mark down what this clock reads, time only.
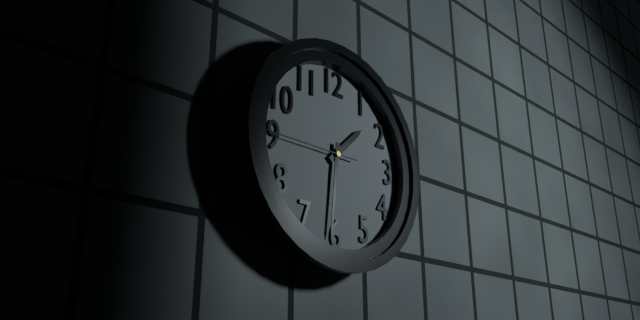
1:31:45
